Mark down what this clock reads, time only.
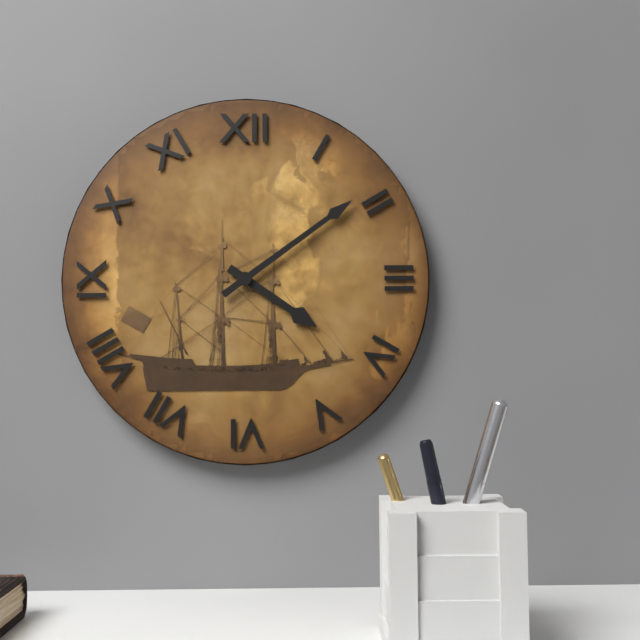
4:09
